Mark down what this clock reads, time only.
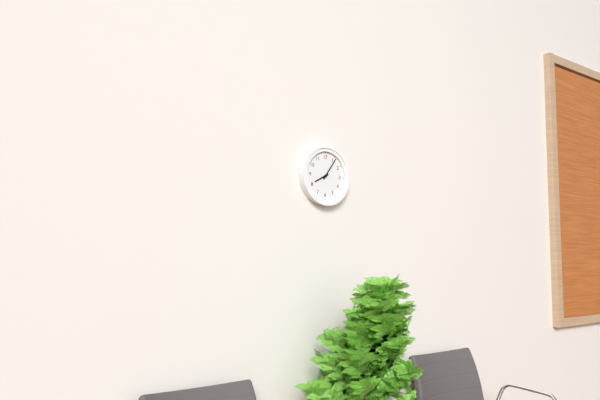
8:06
